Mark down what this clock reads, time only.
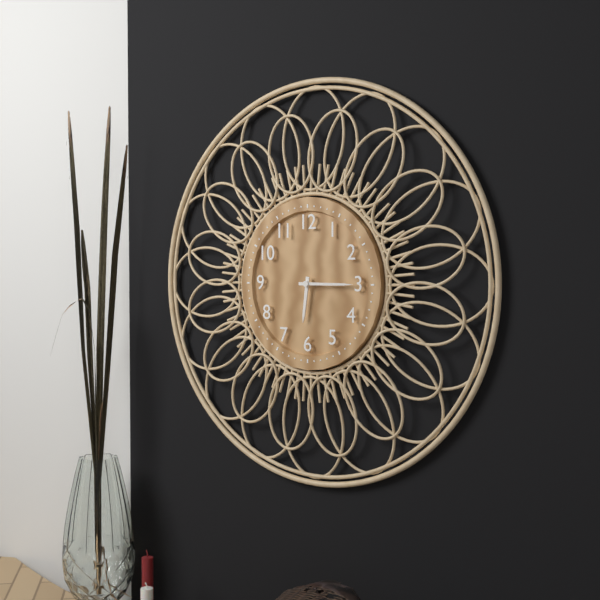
6:15
